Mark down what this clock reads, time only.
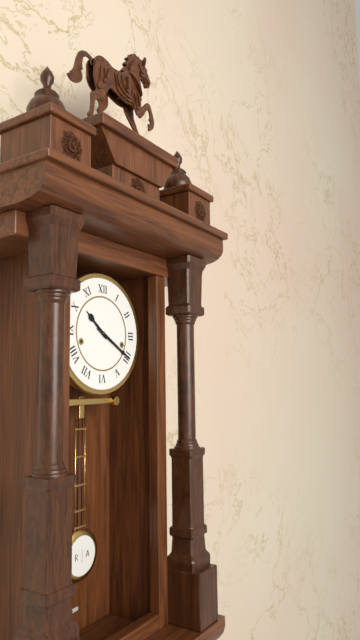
10:20
